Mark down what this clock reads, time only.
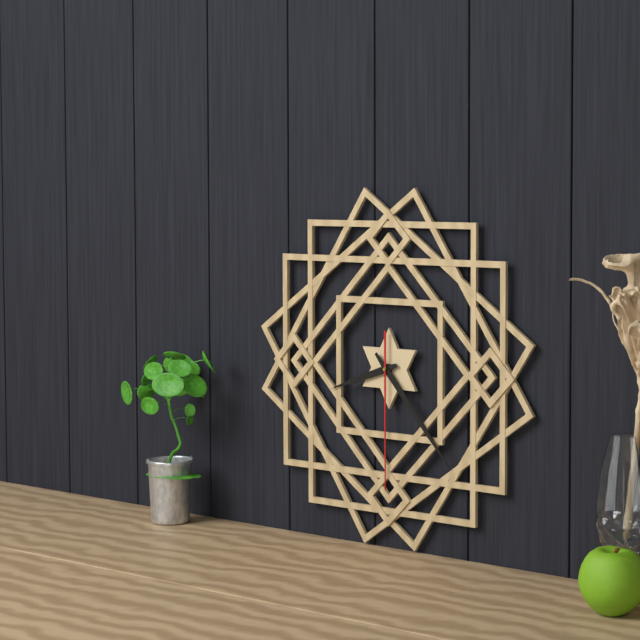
8:23:30
